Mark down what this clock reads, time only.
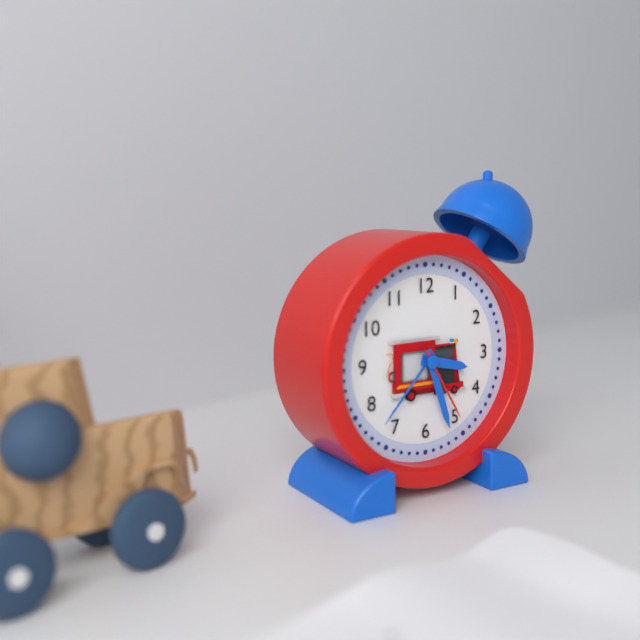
3:27:25
